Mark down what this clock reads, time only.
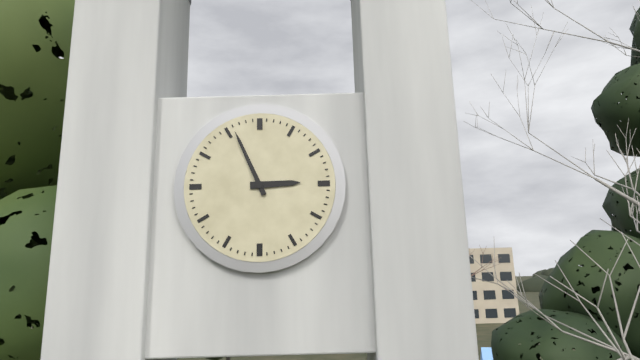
2:56
